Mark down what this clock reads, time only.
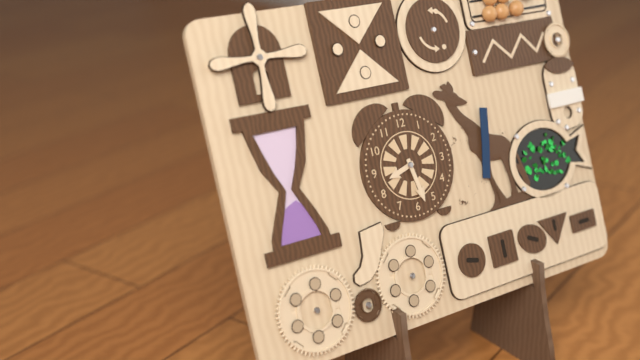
8:28
